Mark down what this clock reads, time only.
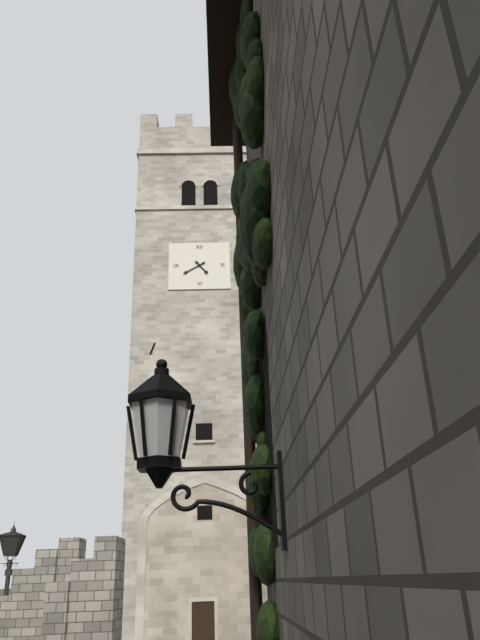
4:40
